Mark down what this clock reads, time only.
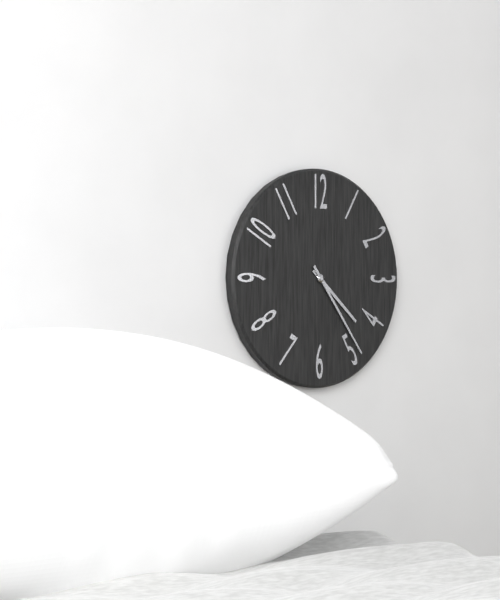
4:24
